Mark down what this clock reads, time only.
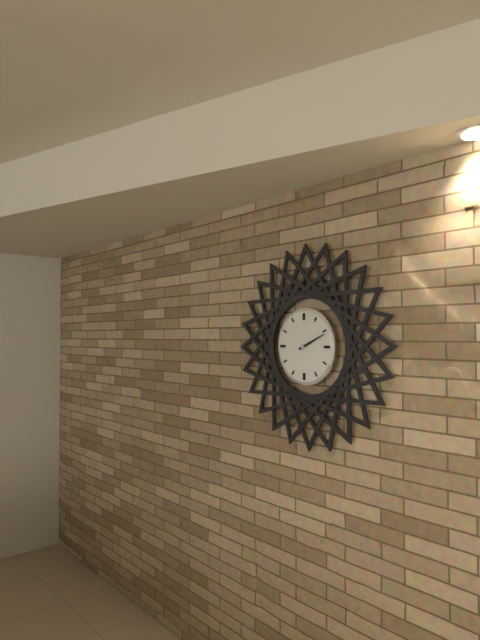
2:11
